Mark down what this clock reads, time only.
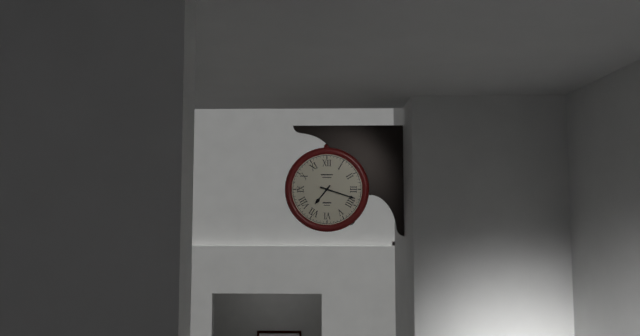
7:18
